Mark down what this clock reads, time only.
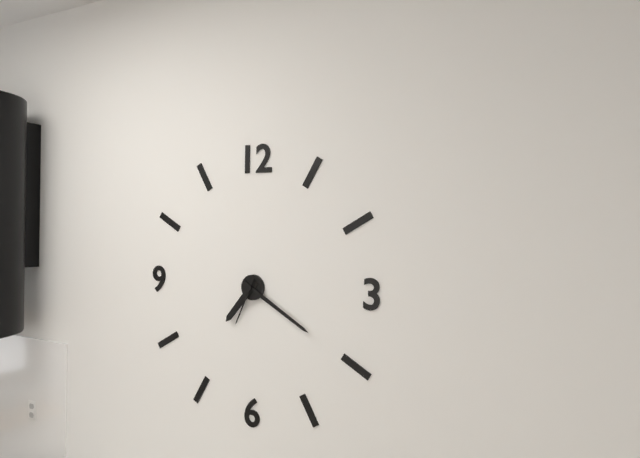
7:20
